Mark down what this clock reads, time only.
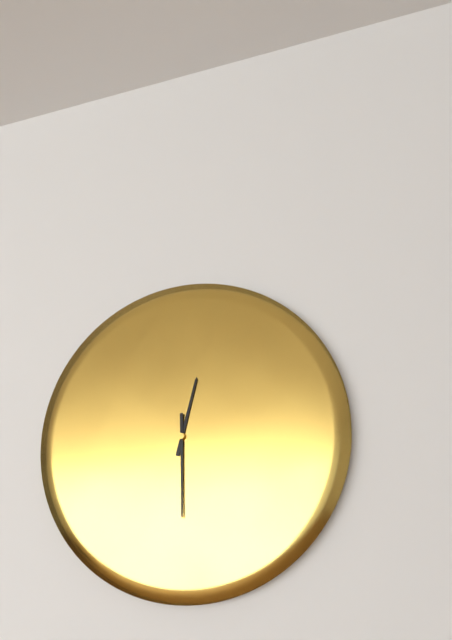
12:30
